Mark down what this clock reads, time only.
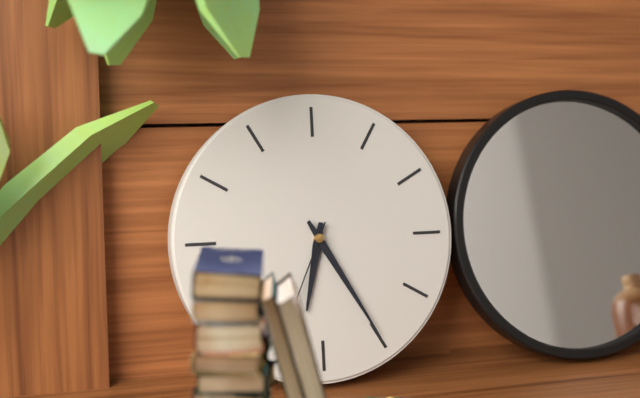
6:25
